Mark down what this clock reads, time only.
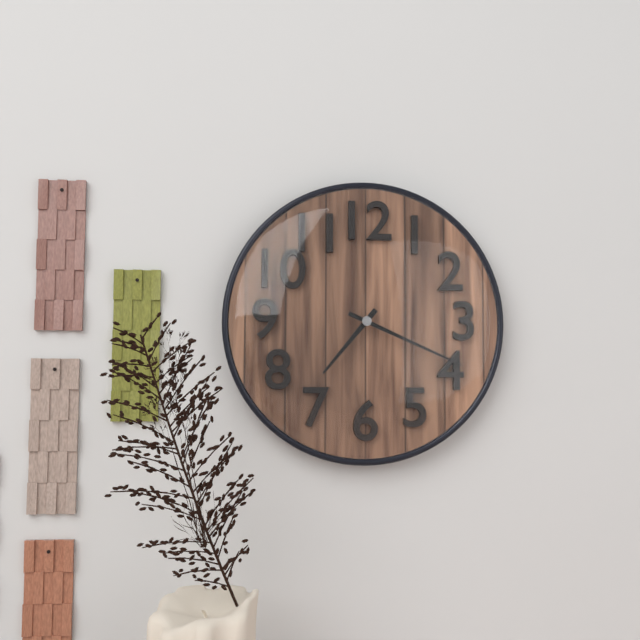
7:19
